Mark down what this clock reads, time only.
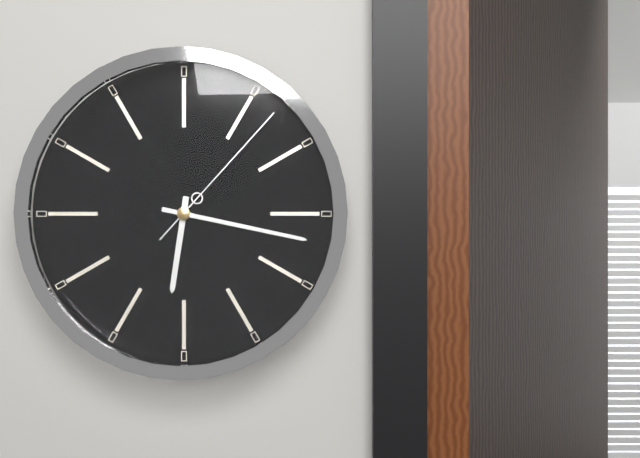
6:17:07
